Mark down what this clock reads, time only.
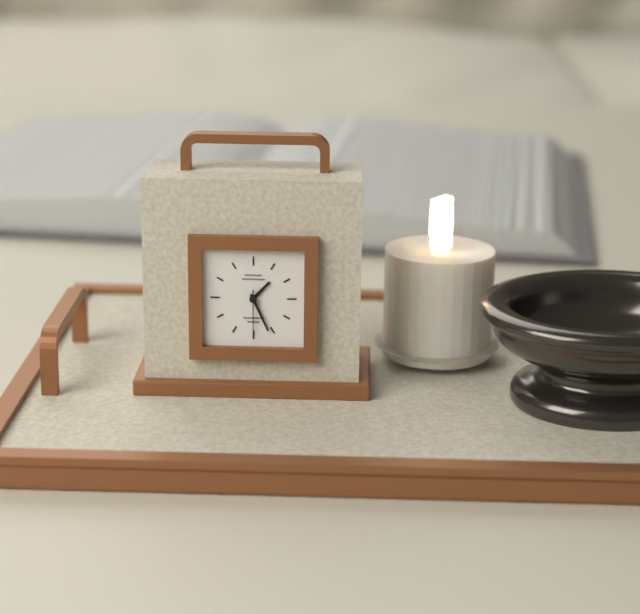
1:26
